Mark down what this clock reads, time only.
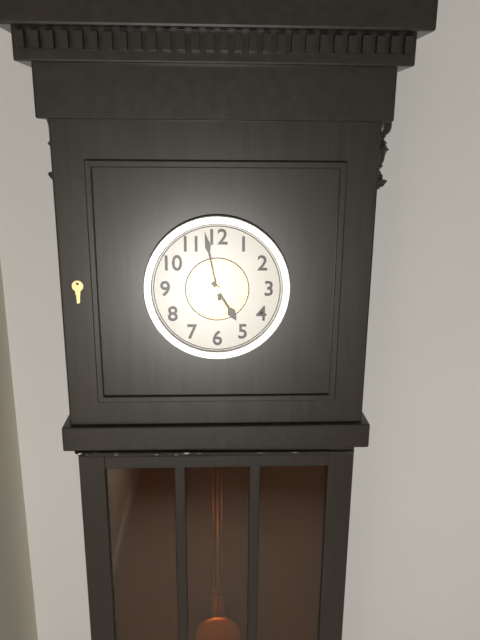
4:58
